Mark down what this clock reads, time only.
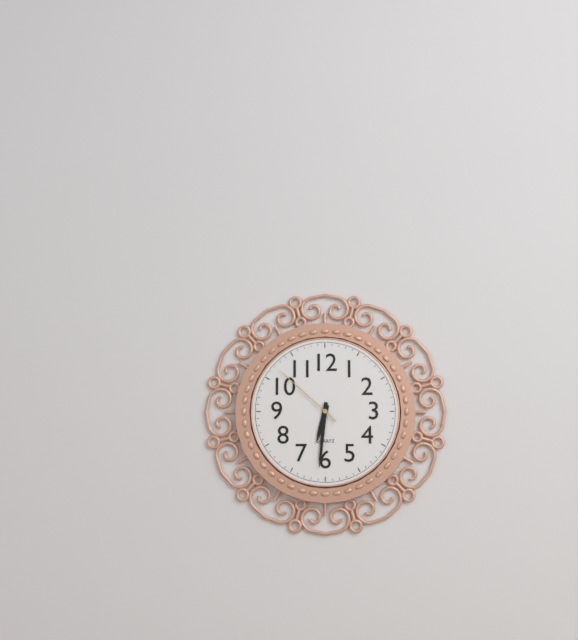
6:31:52
